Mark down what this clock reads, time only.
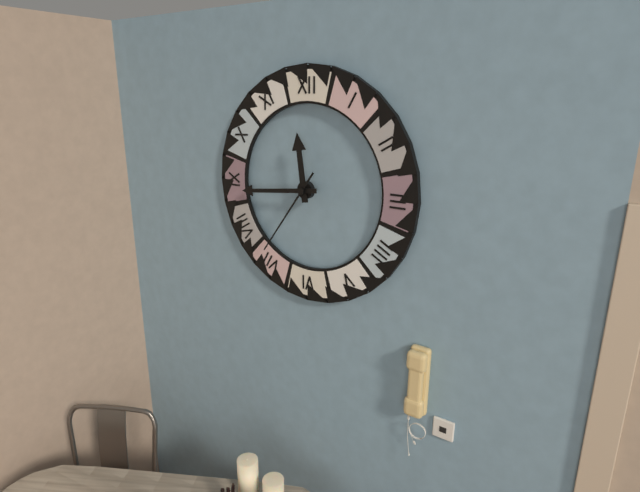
11:44:36
